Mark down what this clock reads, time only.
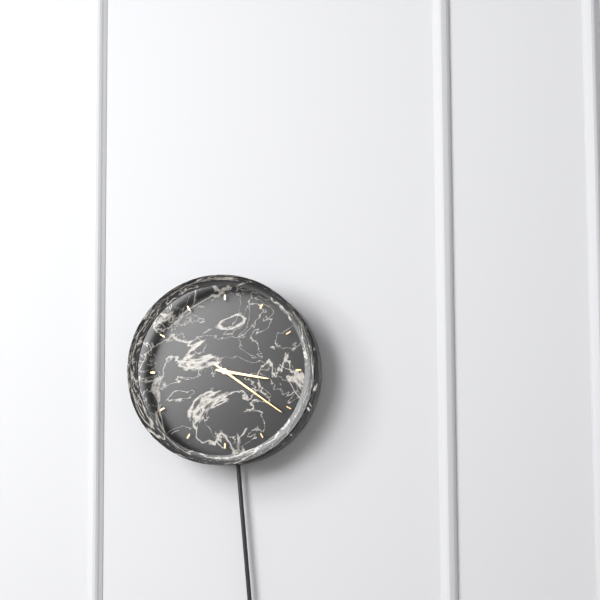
3:21
